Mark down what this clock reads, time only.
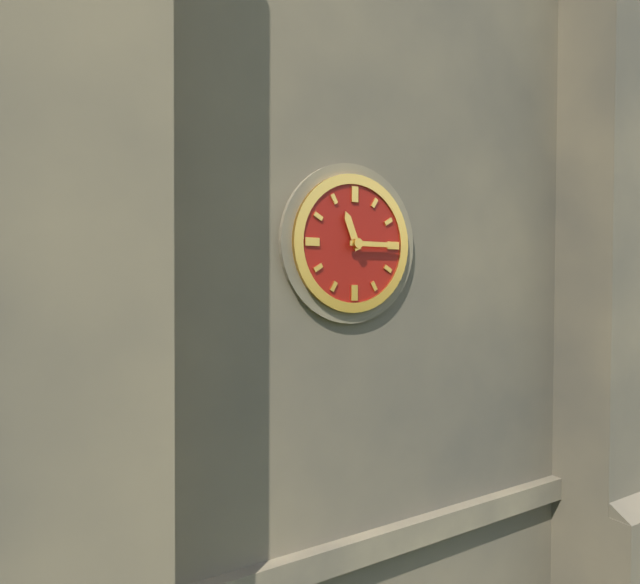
11:15
